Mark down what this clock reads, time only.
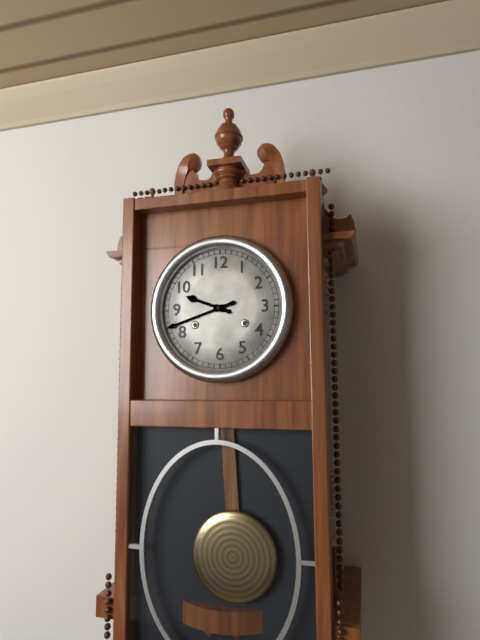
9:42
